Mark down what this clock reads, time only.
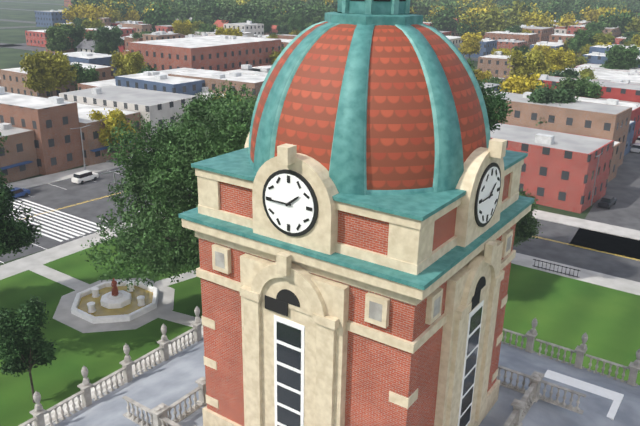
1:45
